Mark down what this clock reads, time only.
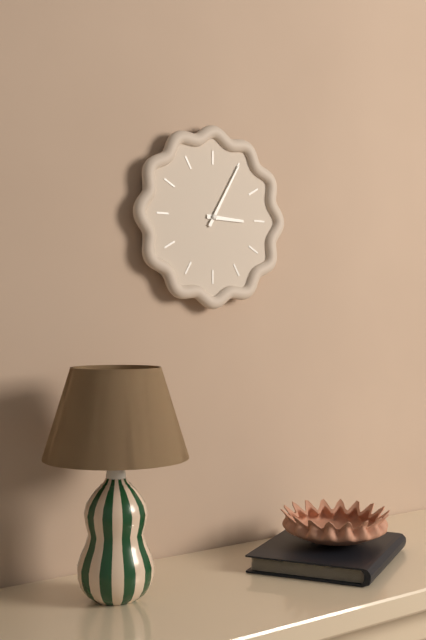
3:05
